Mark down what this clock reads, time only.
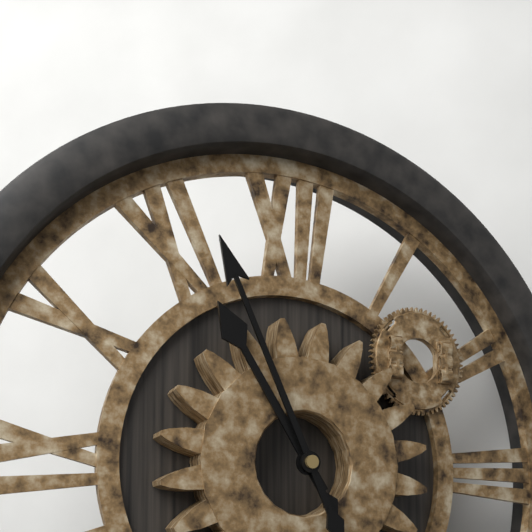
10:56
